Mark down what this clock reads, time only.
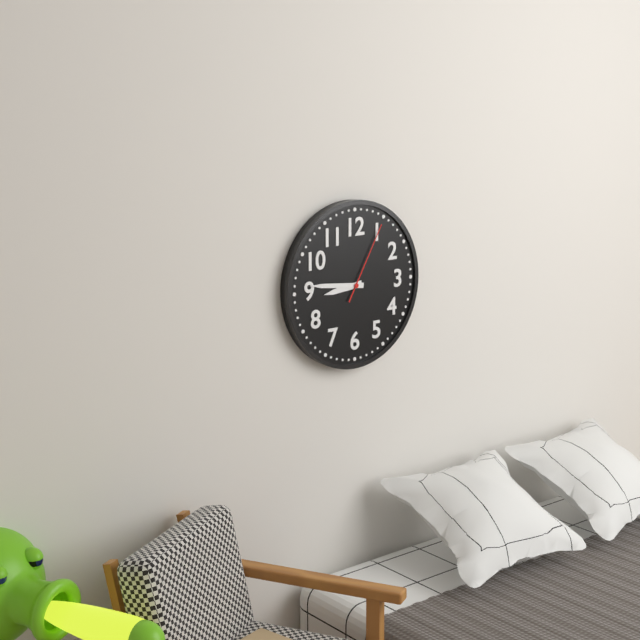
8:46:05
